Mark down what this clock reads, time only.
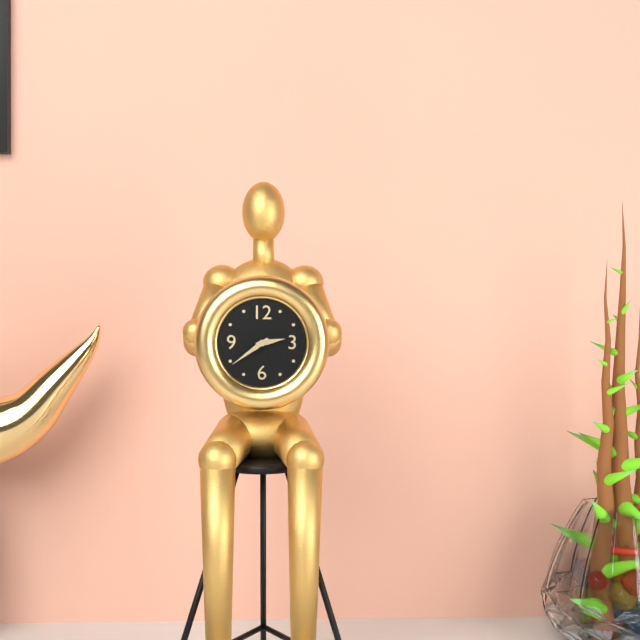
2:39
